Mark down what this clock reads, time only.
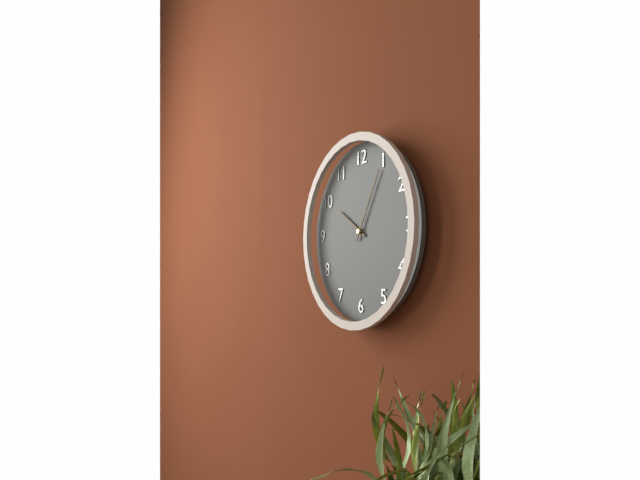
10:05
